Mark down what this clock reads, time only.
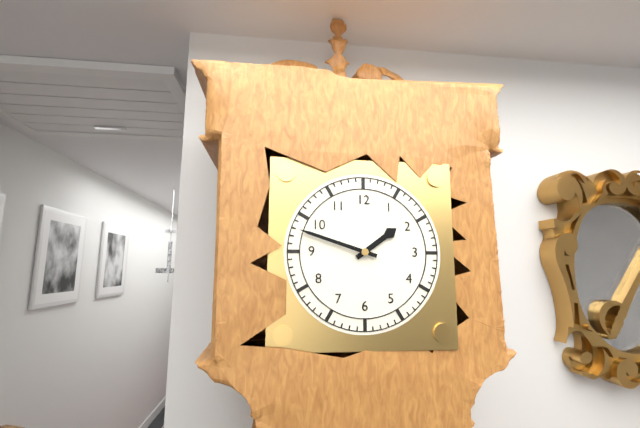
1:48
